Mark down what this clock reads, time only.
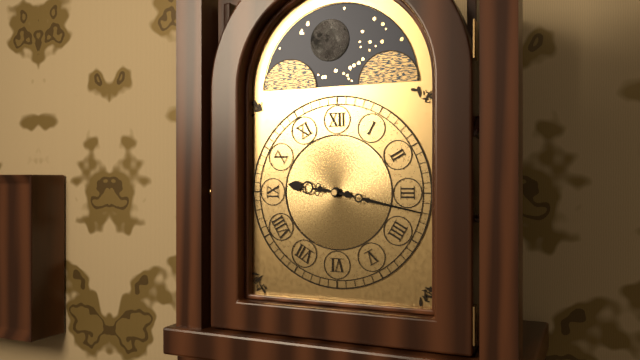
9:17
